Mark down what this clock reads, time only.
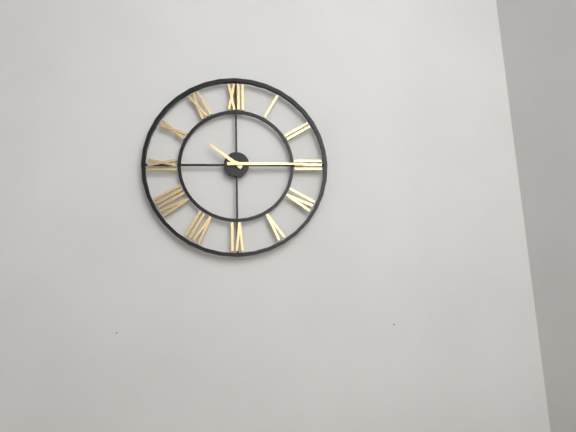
10:15
